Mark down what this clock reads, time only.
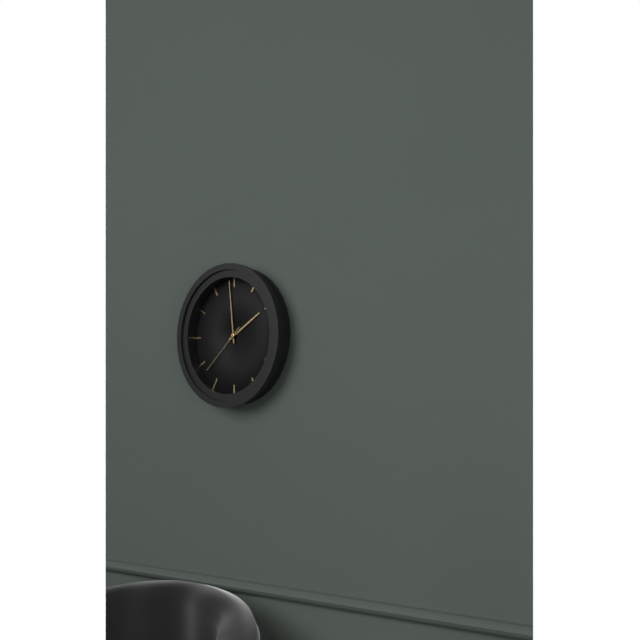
1:59:38
